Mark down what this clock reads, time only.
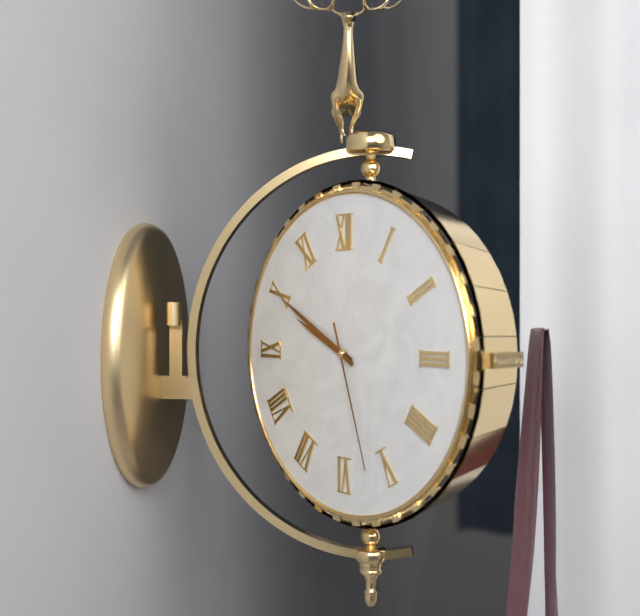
9:50:27
